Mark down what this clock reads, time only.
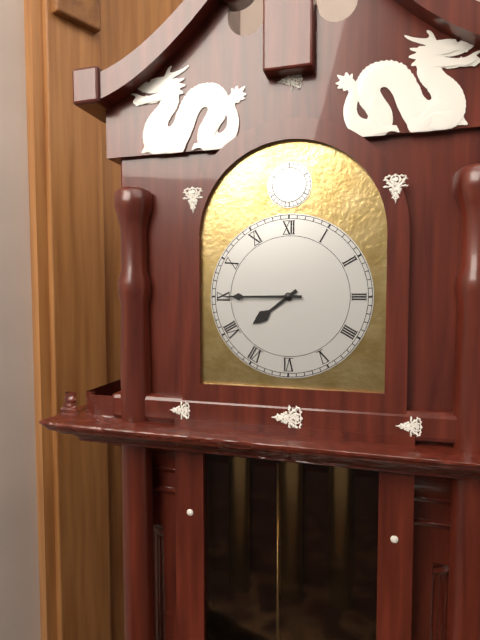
7:45
